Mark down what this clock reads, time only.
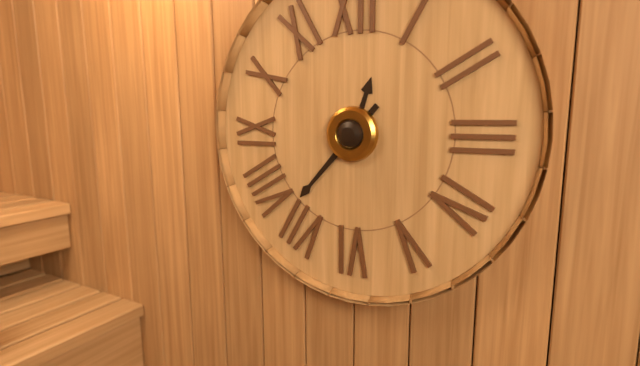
12:37
